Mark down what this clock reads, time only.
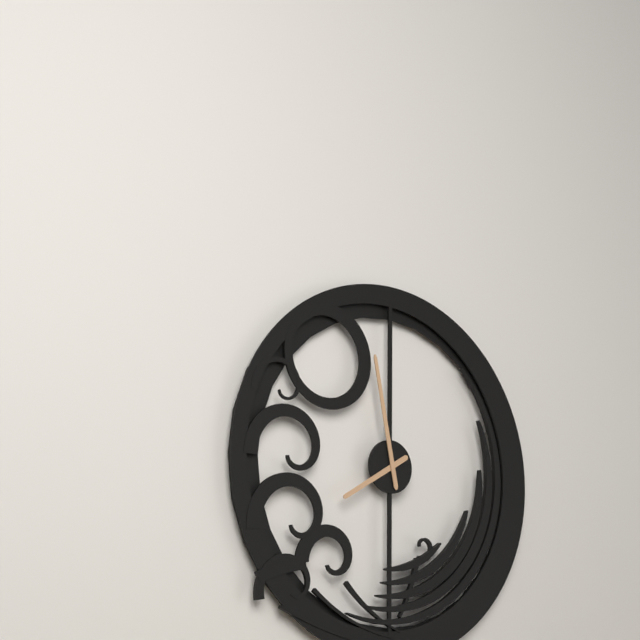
7:58
